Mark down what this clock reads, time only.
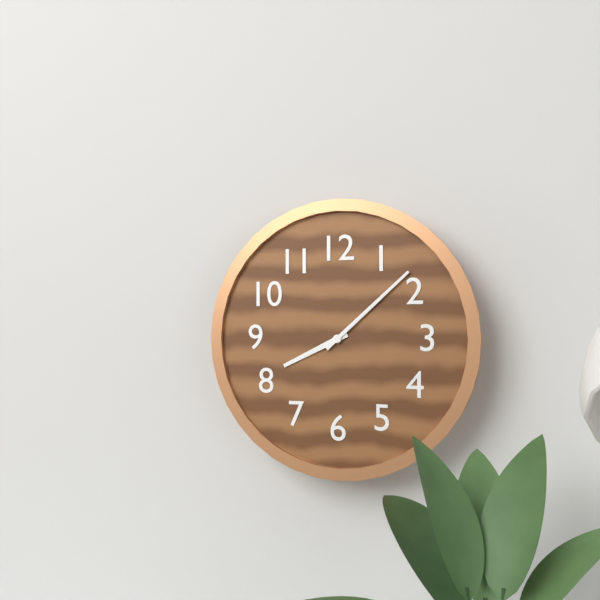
8:08
